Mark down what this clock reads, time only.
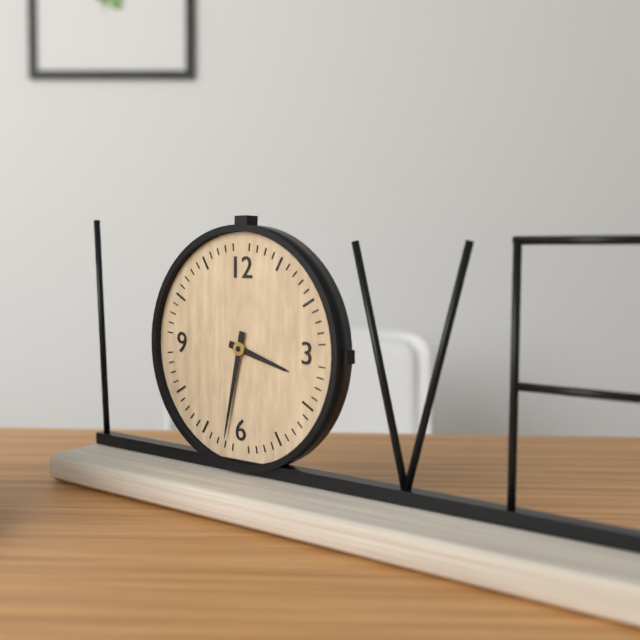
3:32
